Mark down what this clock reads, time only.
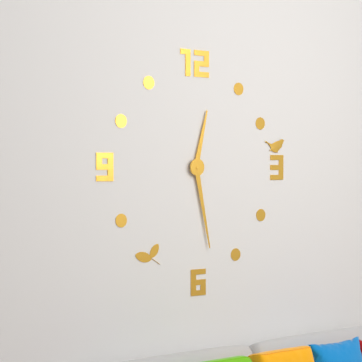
12:28
